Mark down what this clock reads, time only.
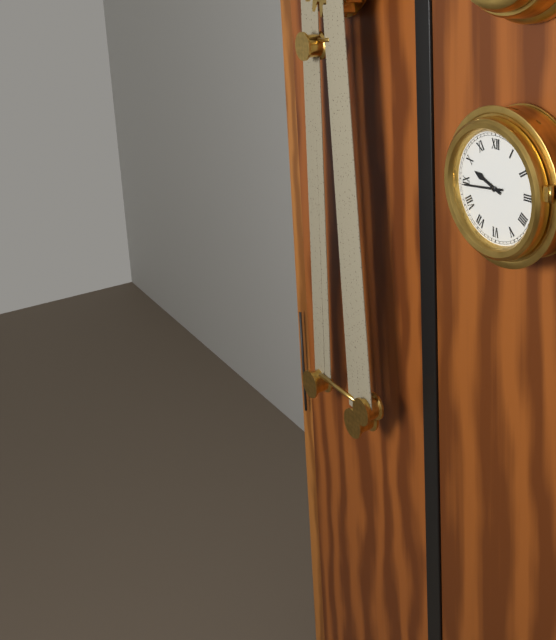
9:44
